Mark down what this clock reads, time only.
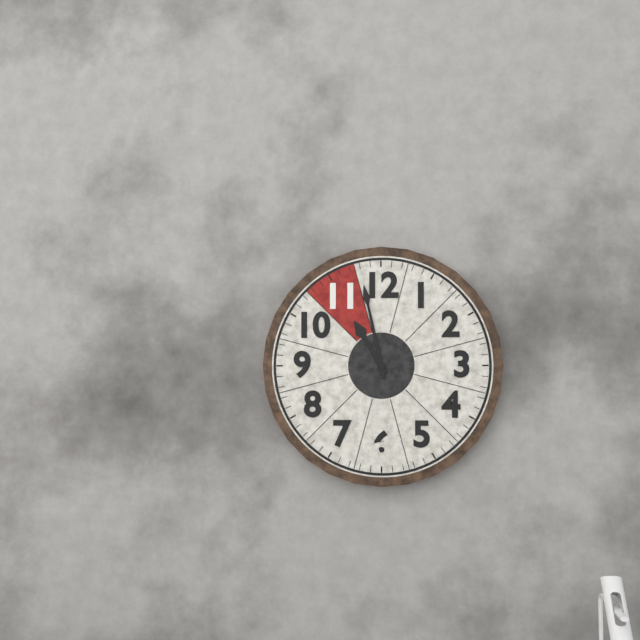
10:58
